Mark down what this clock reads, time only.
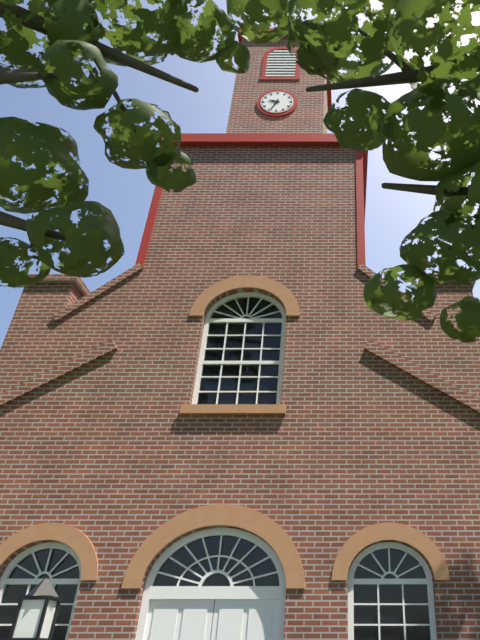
9:34
